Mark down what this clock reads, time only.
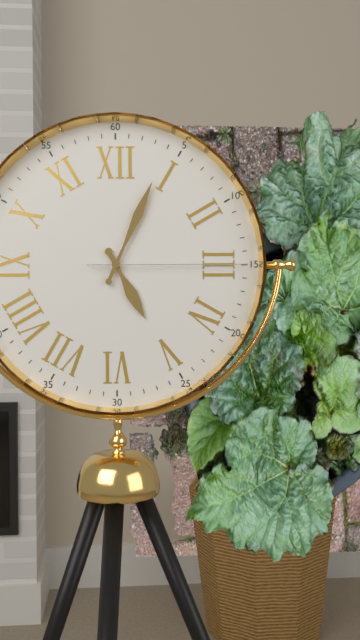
5:04:15
